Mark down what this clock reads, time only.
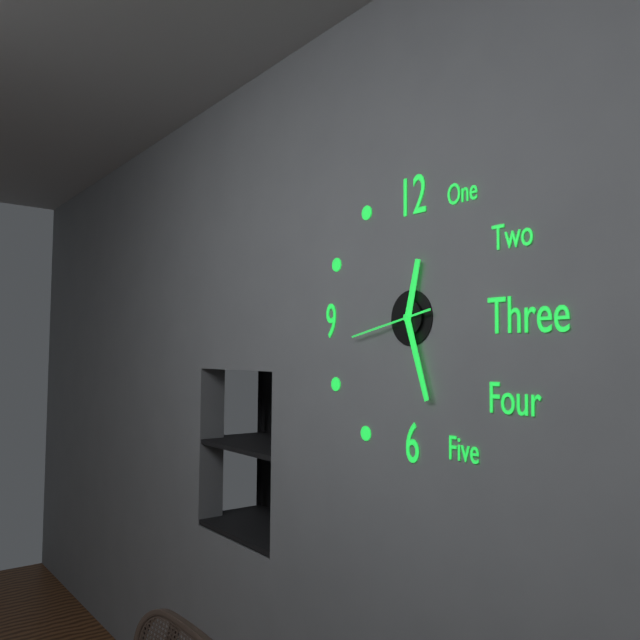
12:27:43
